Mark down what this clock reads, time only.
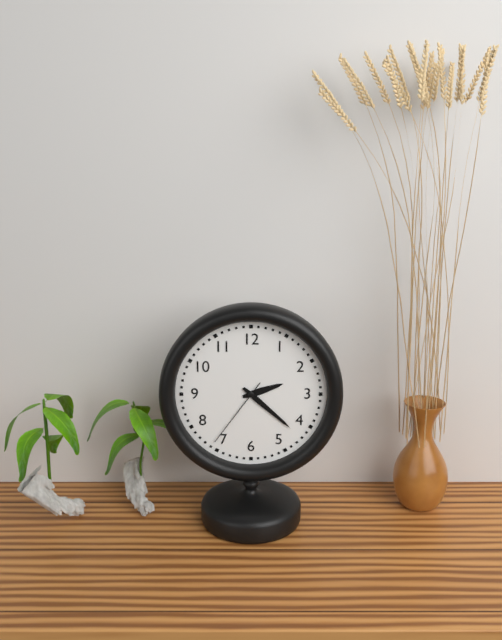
2:22:36
